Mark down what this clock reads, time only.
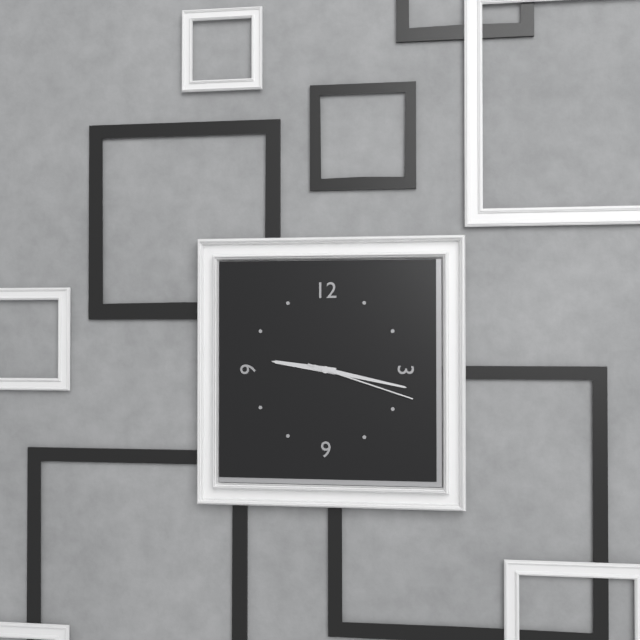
9:17:18
